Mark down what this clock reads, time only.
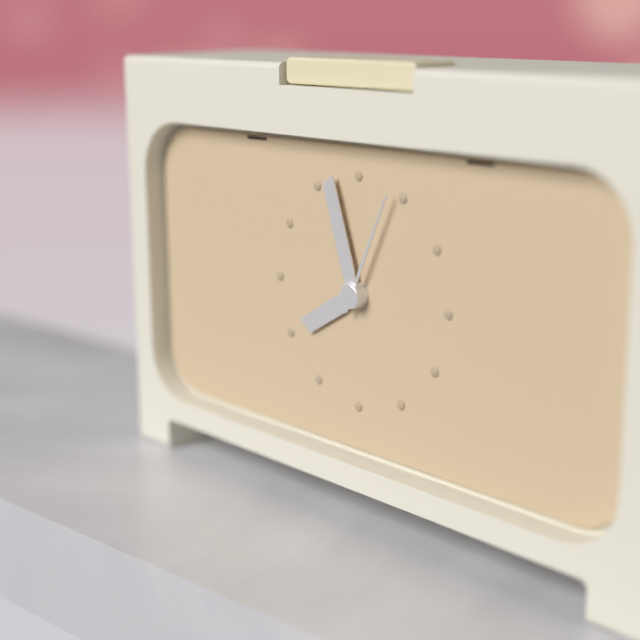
7:57:04
